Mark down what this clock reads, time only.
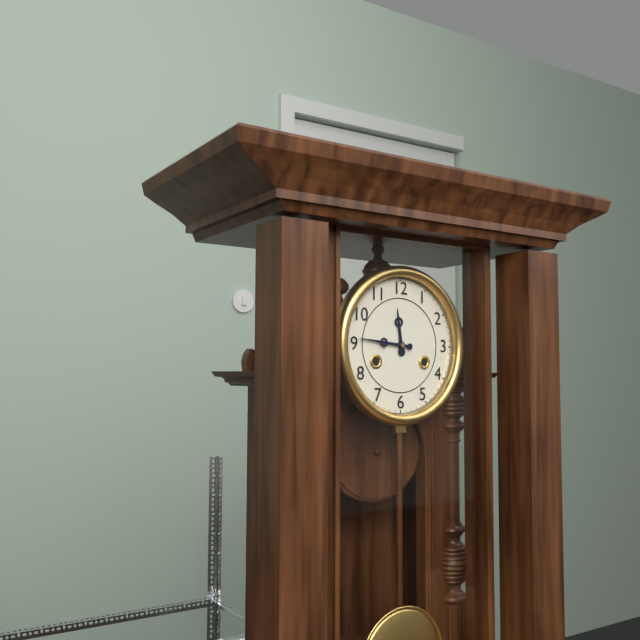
11:46
